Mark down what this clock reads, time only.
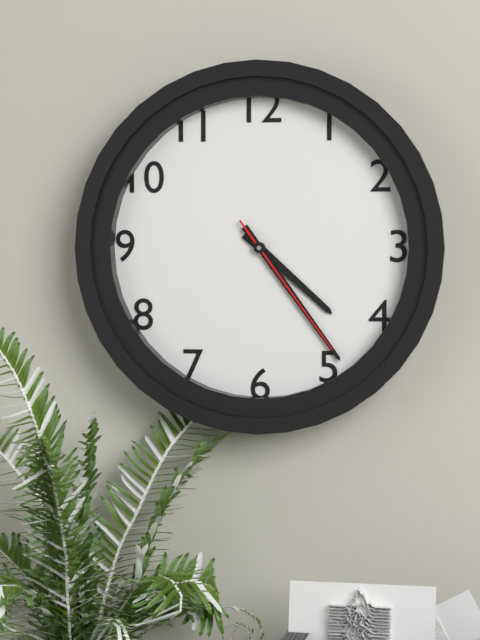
4:24:24
